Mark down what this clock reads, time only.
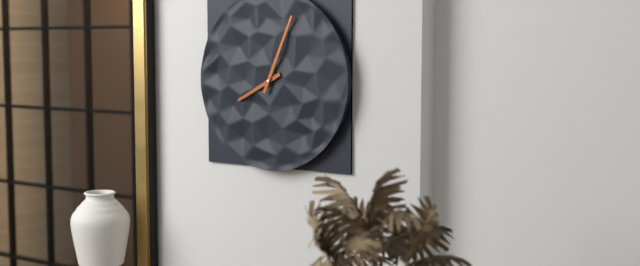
8:04
